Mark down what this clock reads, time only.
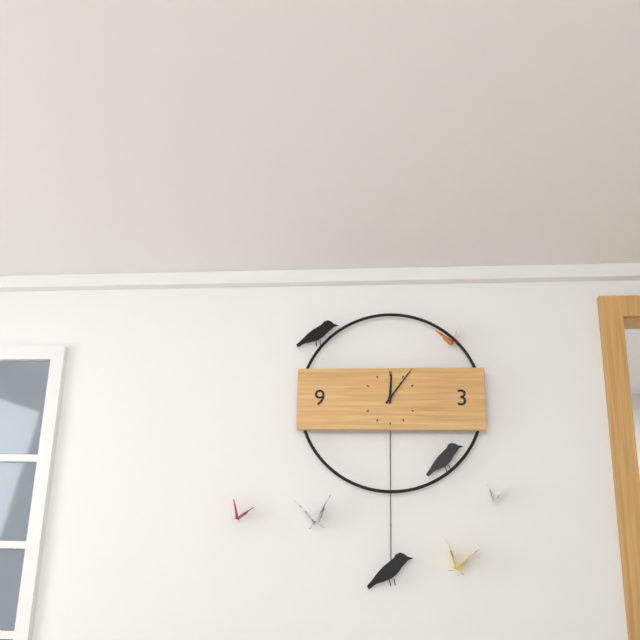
12:06
